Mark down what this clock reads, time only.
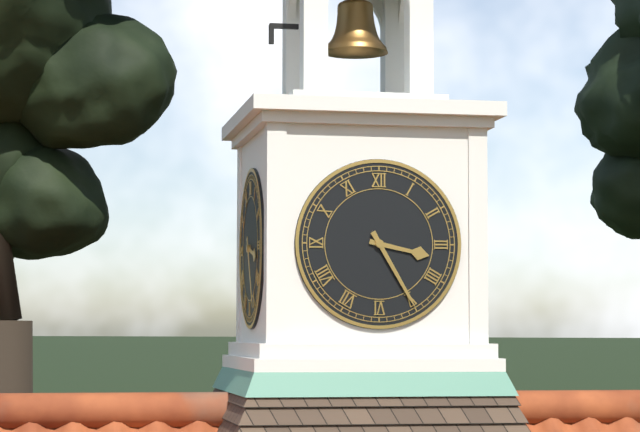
3:25
